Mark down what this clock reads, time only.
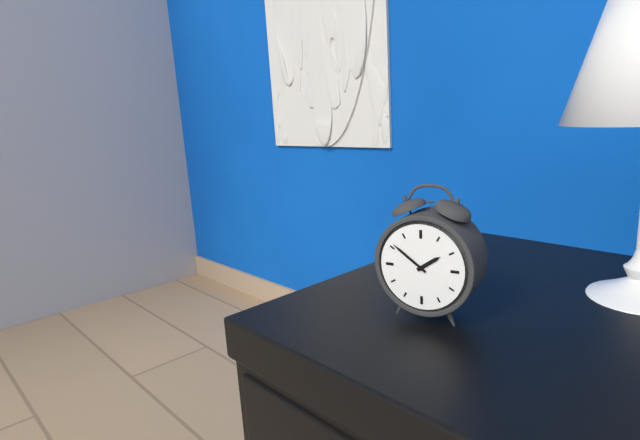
1:51
